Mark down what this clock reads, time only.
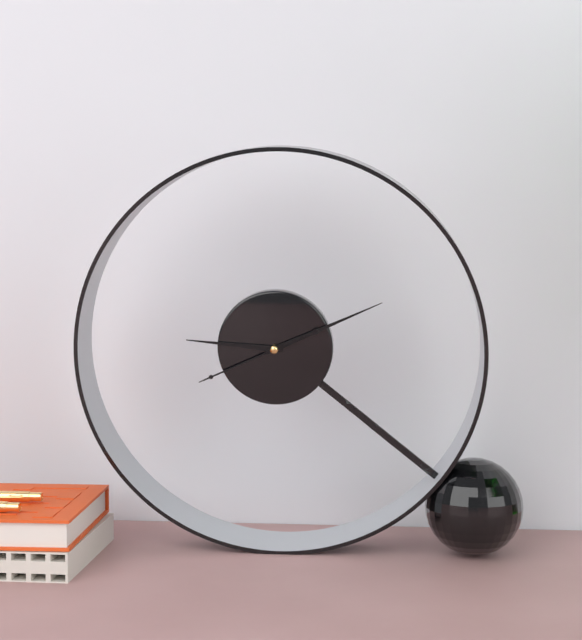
9:11:41
